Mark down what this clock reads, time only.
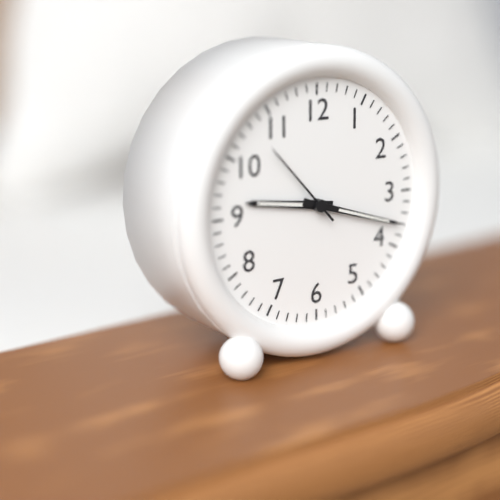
9:18:53
